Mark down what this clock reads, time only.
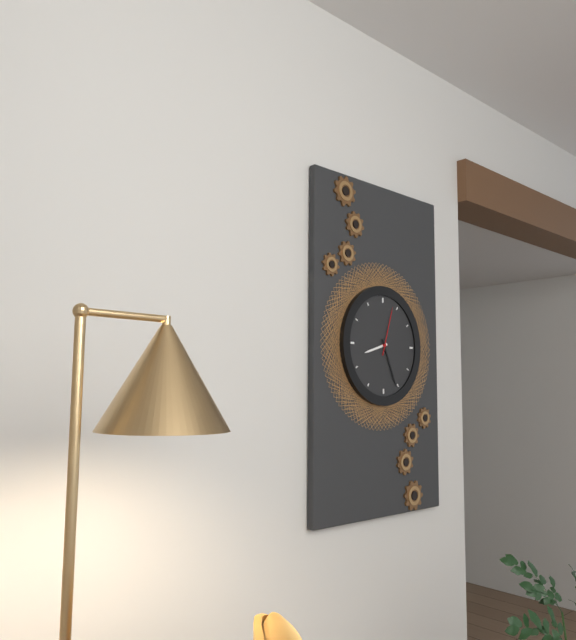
8:26:03
